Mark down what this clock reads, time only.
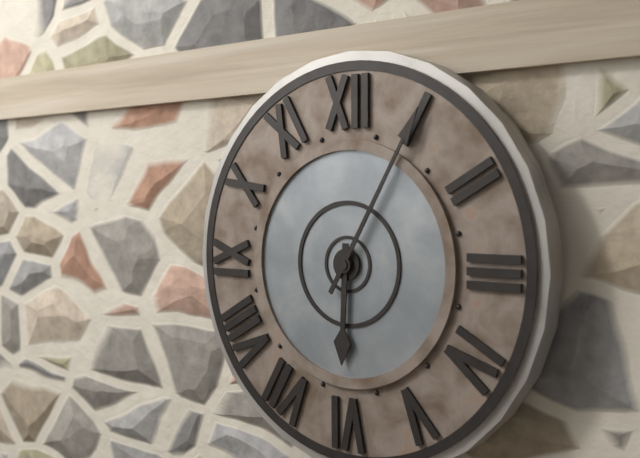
6:05
